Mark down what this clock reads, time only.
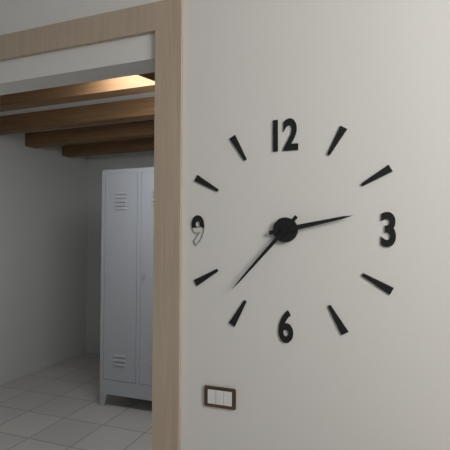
2:37
